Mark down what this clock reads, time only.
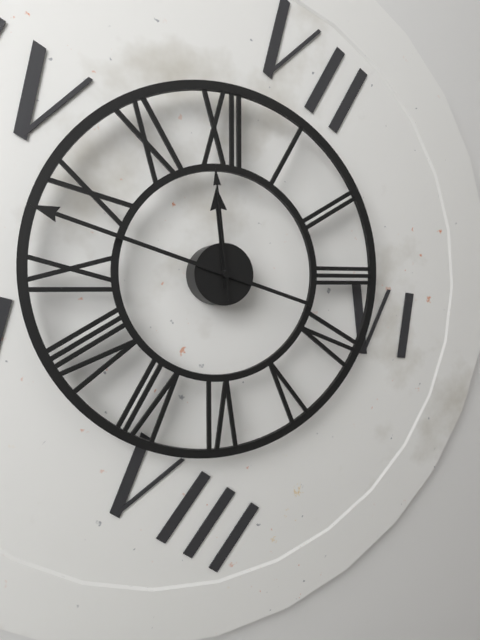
11:48:59
